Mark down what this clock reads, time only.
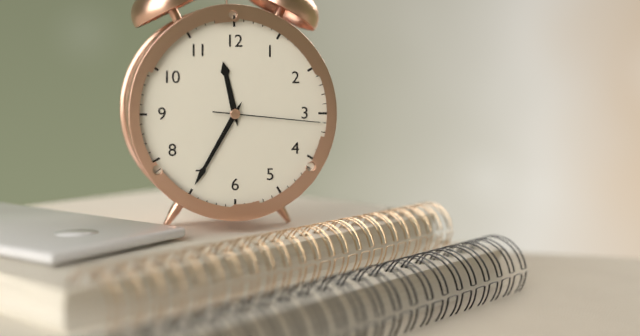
11:35:16
